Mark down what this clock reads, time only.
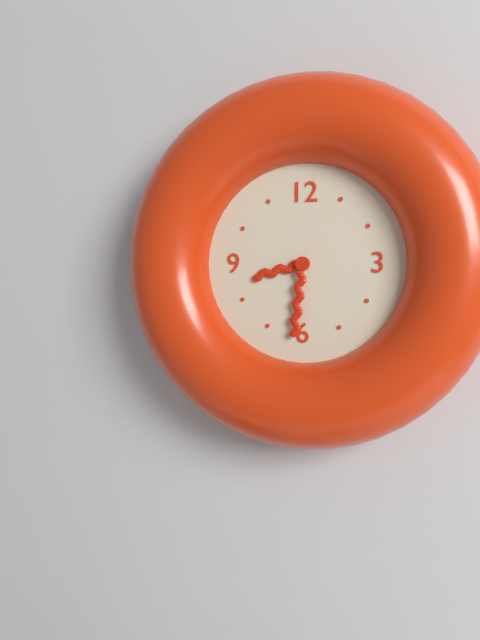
8:31
